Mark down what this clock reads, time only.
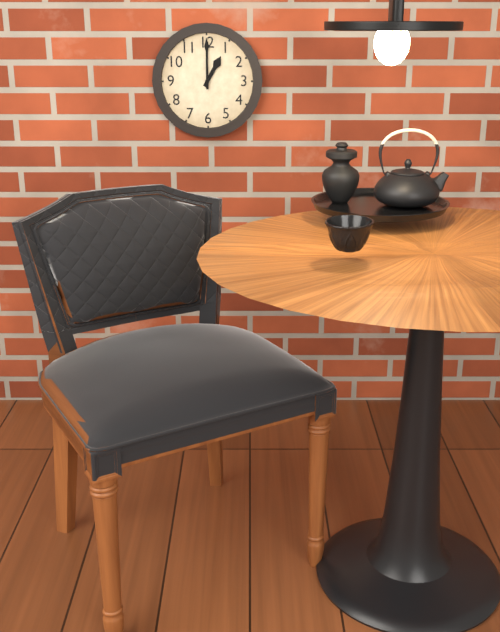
1:00
